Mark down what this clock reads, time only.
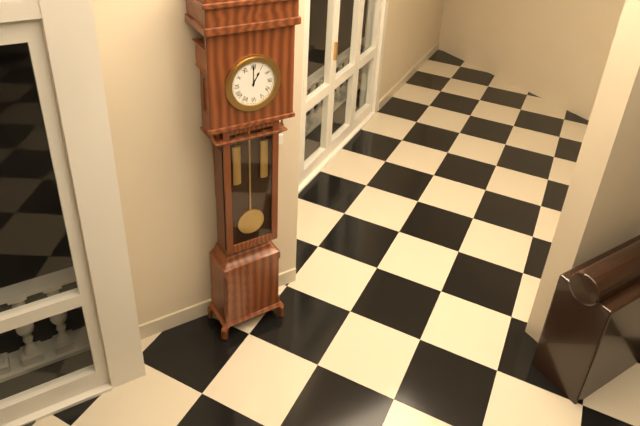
1:00
